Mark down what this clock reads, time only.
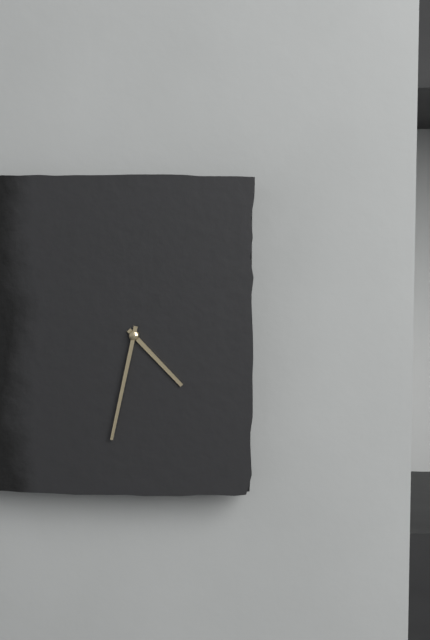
4:32
